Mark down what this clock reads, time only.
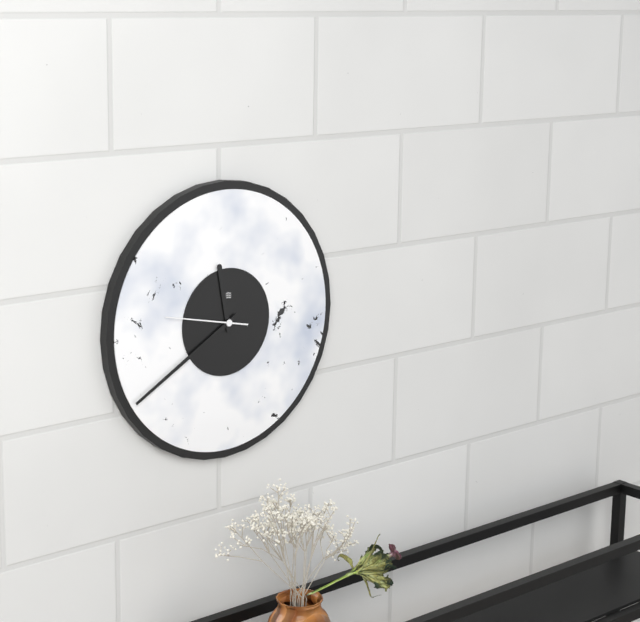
11:40:47
